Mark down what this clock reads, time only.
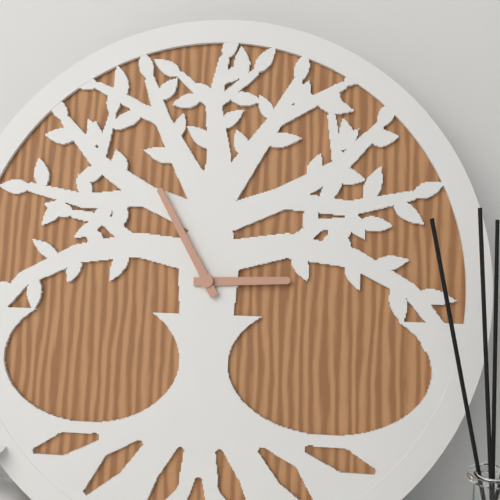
2:55
